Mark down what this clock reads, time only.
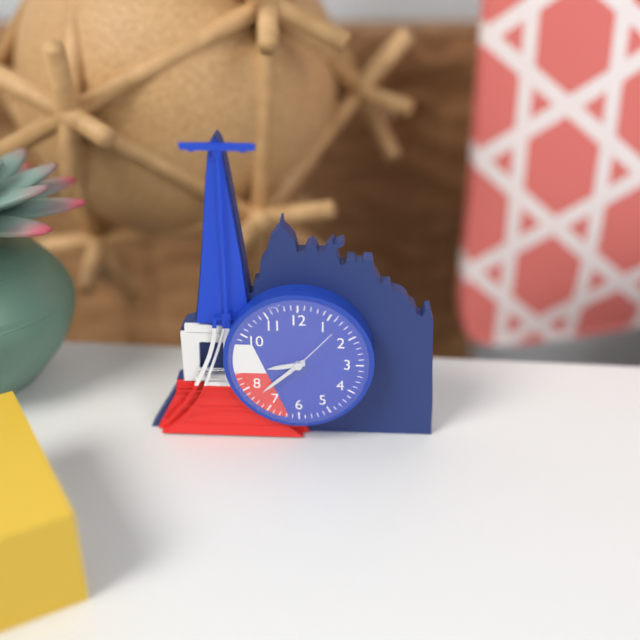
8:38:07
